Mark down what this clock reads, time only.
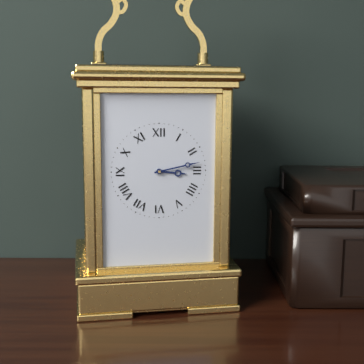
3:13
